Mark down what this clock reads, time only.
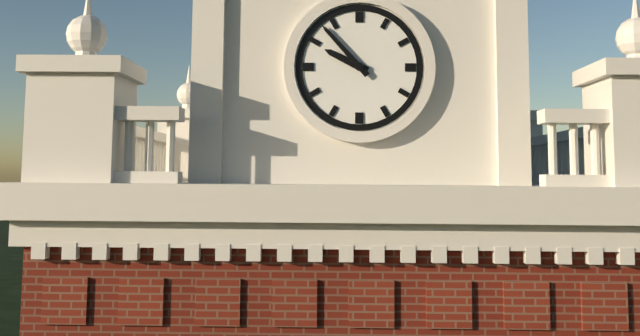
9:53
